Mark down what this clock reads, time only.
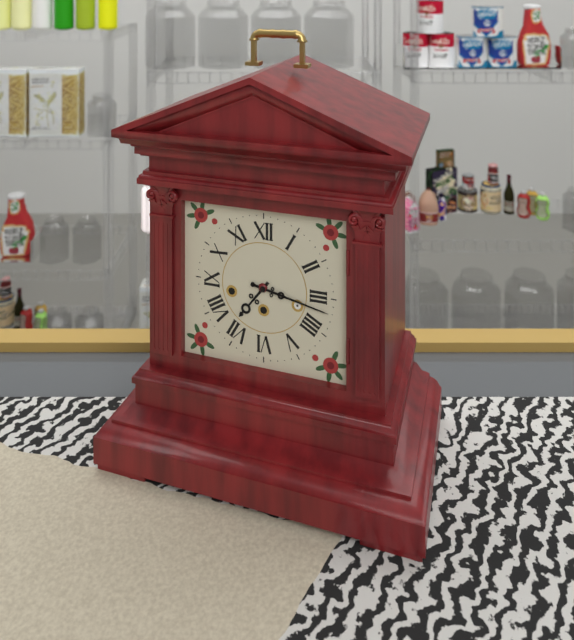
7:17
